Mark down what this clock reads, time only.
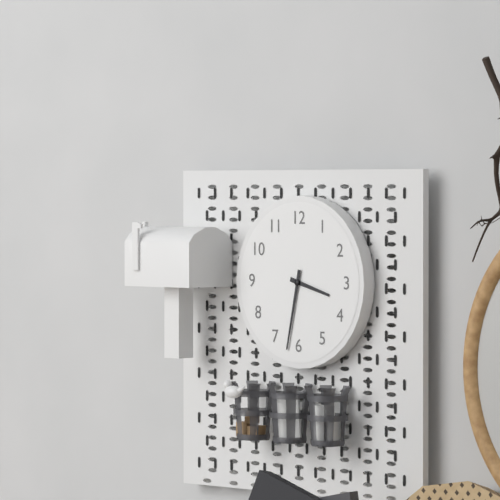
3:32
